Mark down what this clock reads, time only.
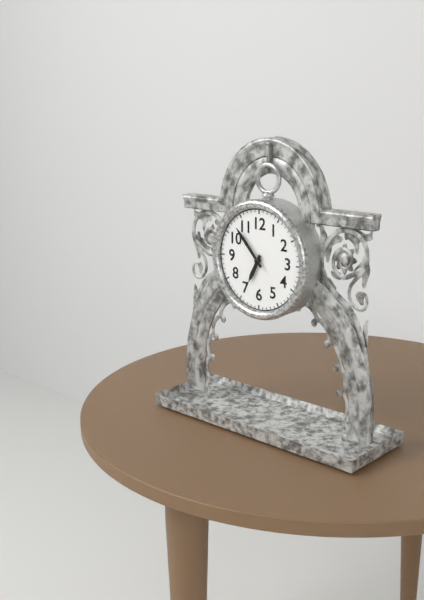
6:53
